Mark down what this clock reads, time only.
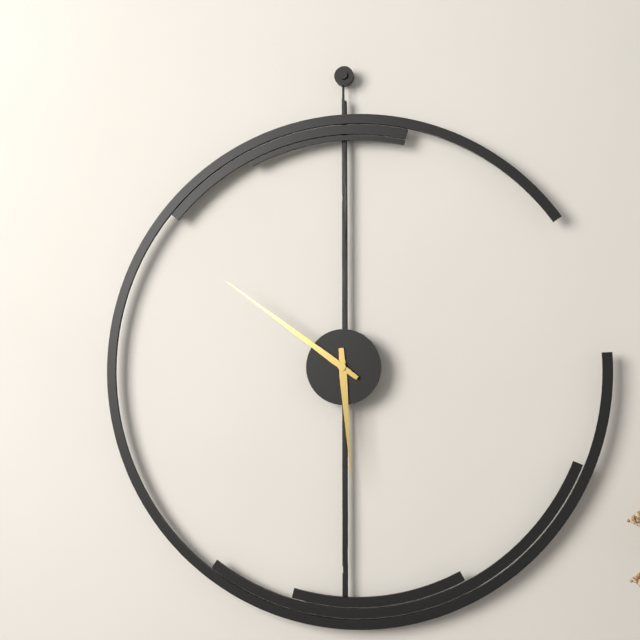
5:51
